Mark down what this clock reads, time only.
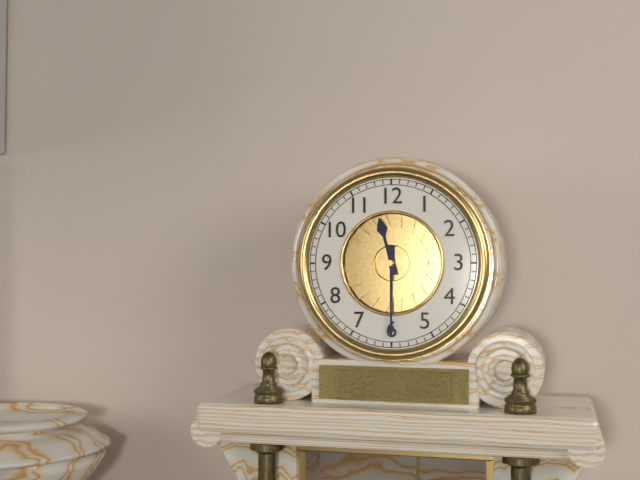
11:30
